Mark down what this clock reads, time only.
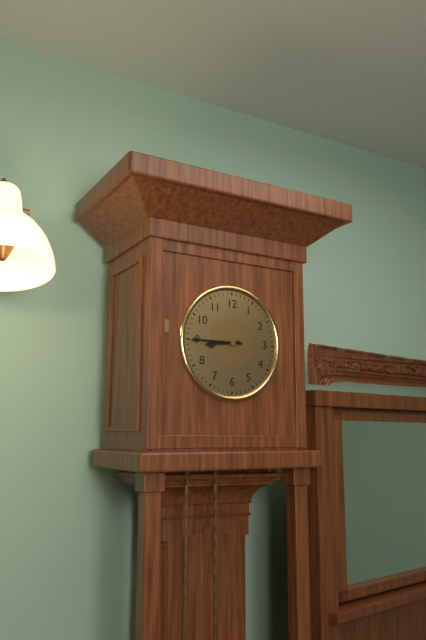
8:45
